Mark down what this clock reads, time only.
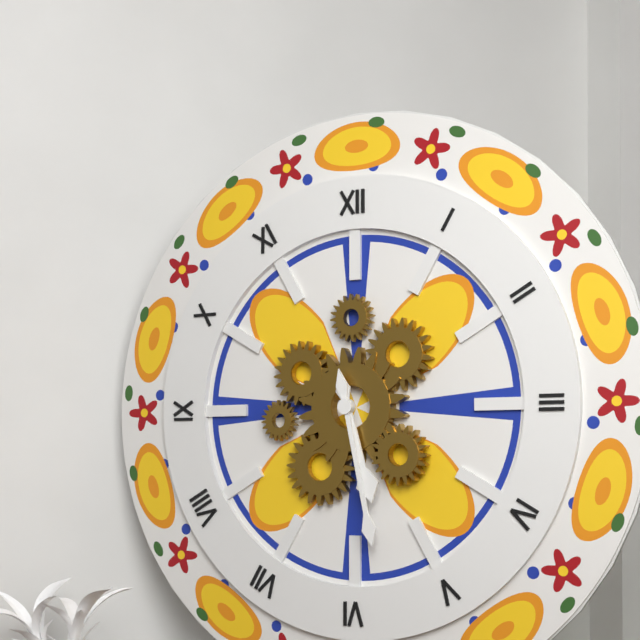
5:28
